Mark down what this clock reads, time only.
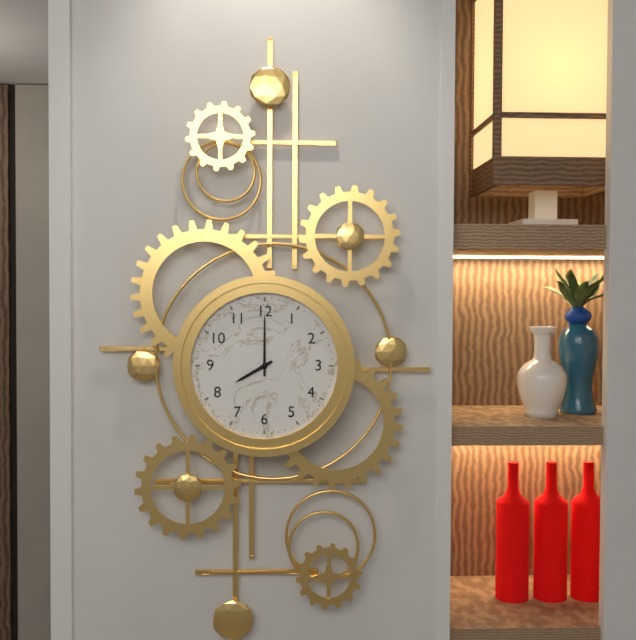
8:00
